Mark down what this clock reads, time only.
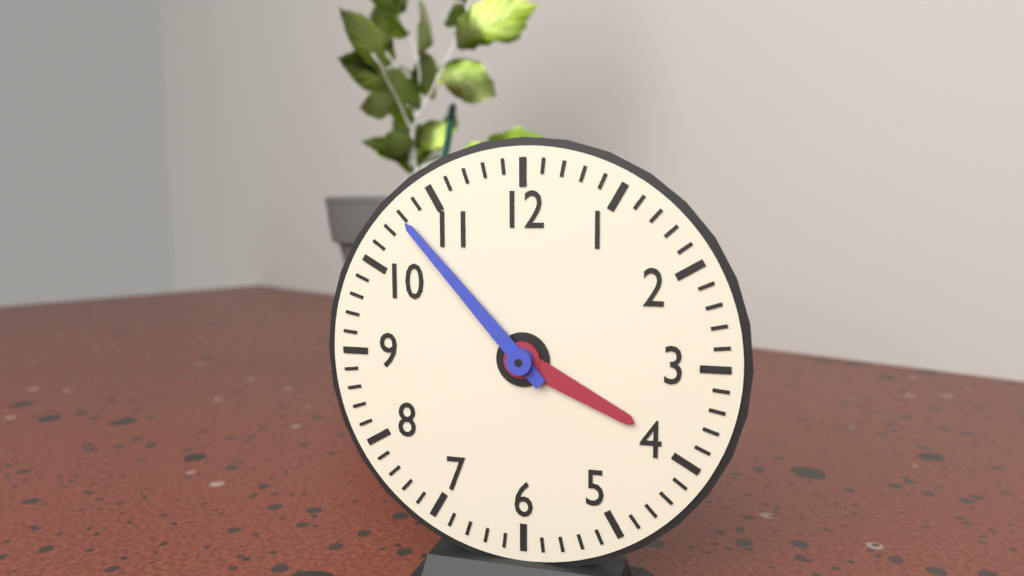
3:53
